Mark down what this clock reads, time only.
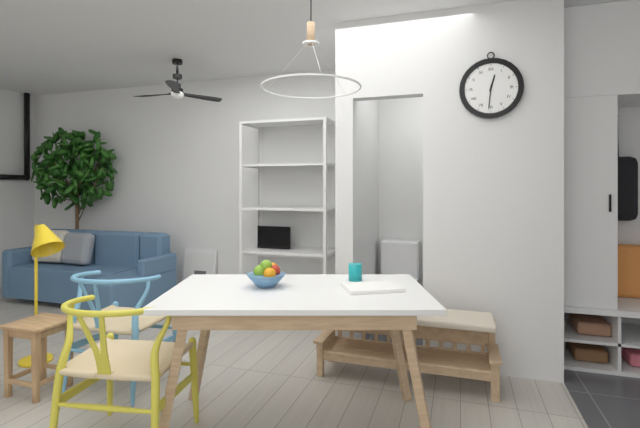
12:31
